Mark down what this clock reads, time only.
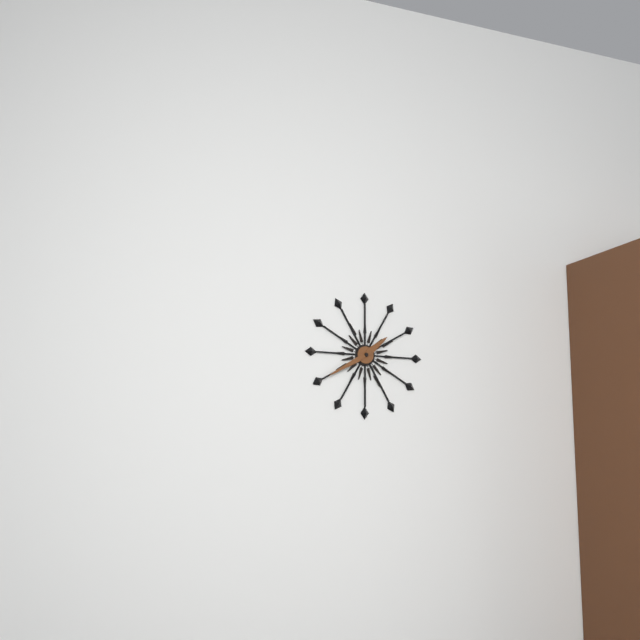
1:40
